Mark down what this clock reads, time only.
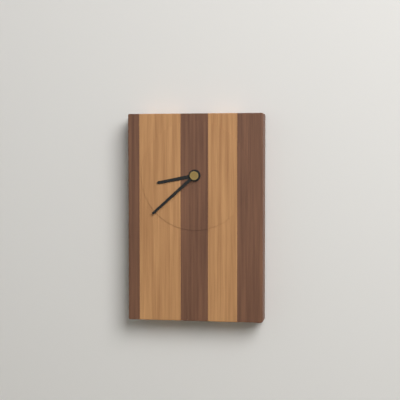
8:38
